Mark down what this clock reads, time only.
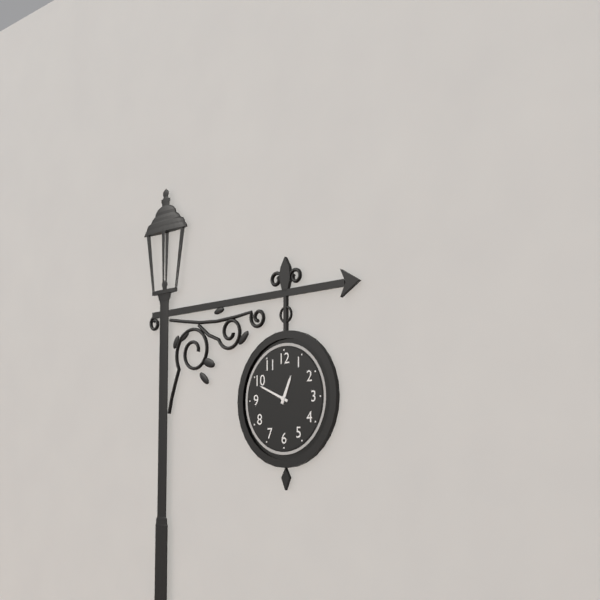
12:49
